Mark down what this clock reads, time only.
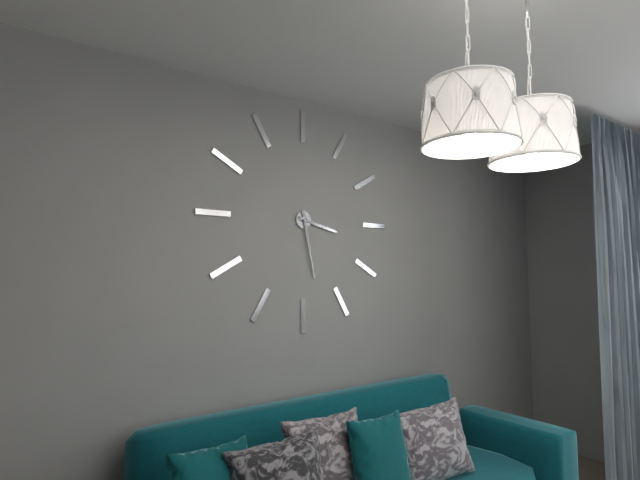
3:28
